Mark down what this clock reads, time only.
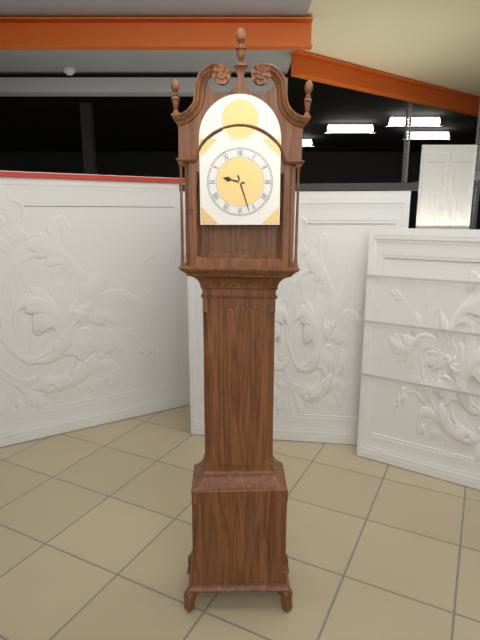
9:27
